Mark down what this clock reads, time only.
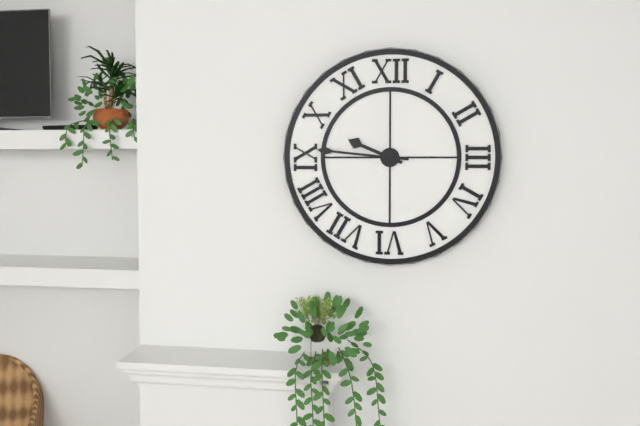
9:46
